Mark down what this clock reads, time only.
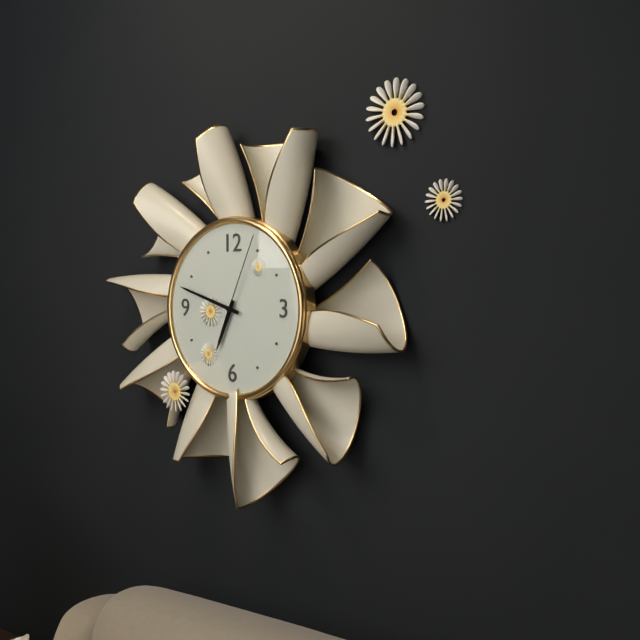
6:48:04
